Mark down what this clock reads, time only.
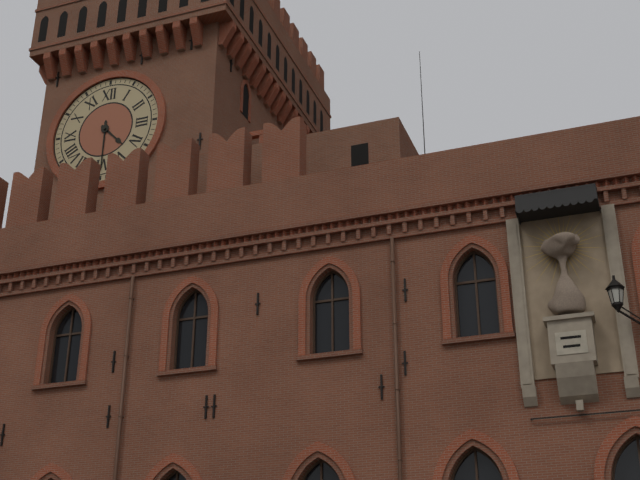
4:30
